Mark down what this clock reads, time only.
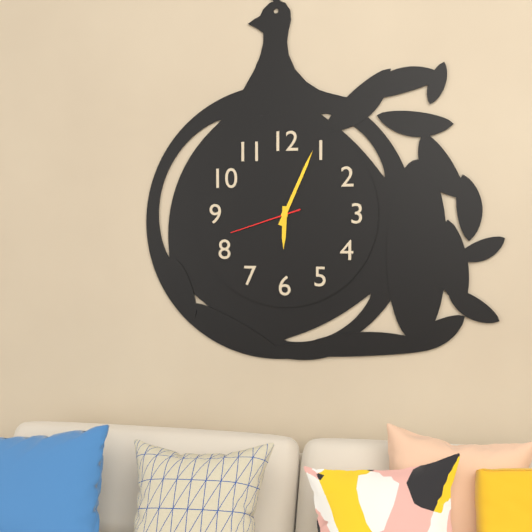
6:04:42
